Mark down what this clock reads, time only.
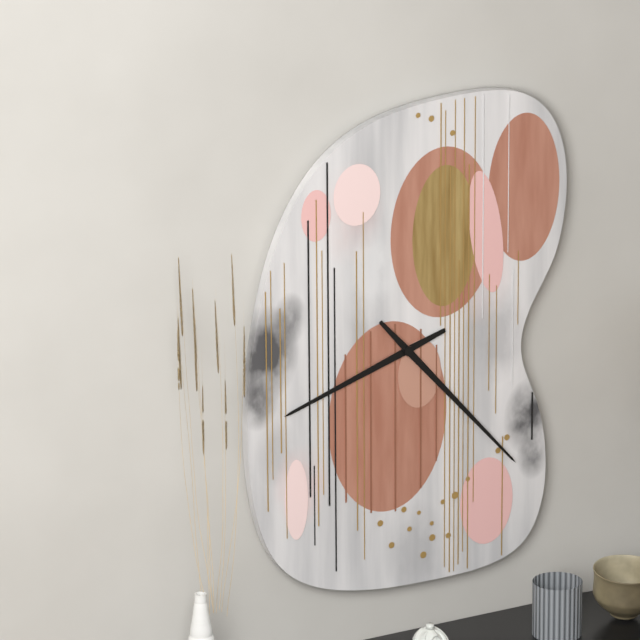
8:23
